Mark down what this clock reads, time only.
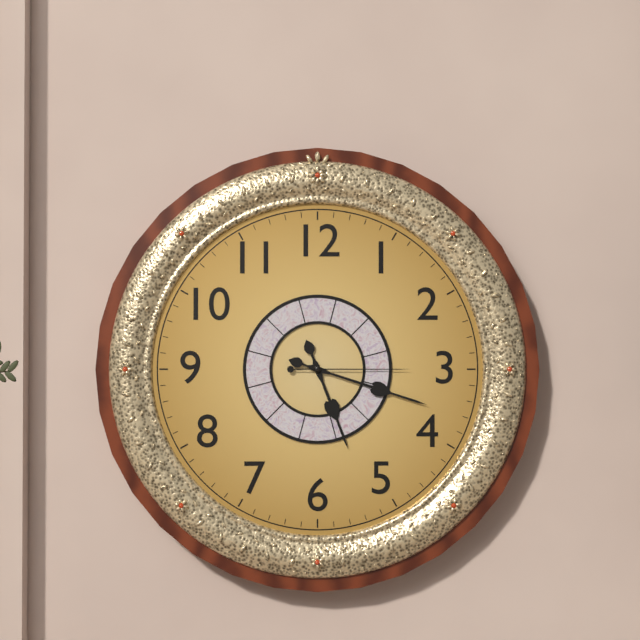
5:18:15
